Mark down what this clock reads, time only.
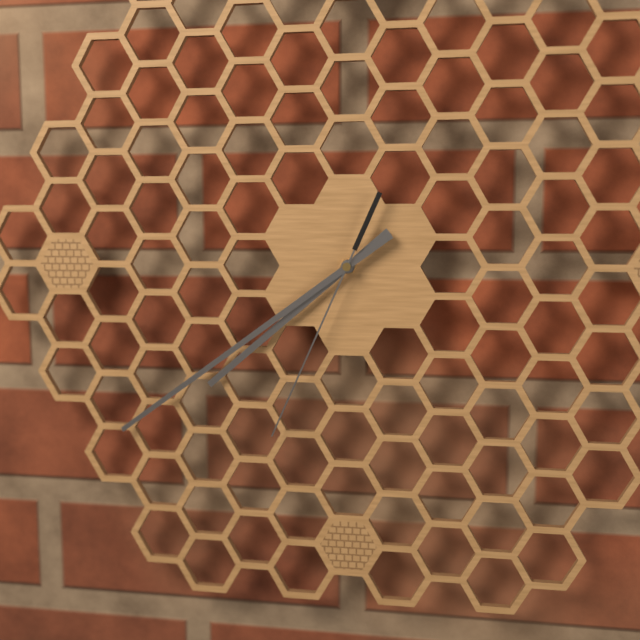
7:39:34
